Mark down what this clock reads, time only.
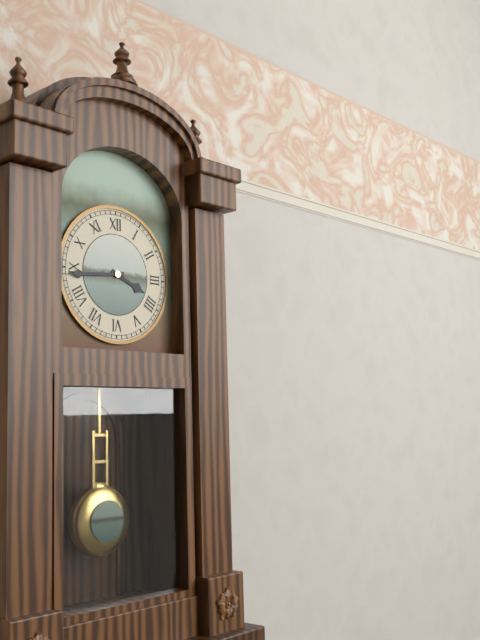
3:44
